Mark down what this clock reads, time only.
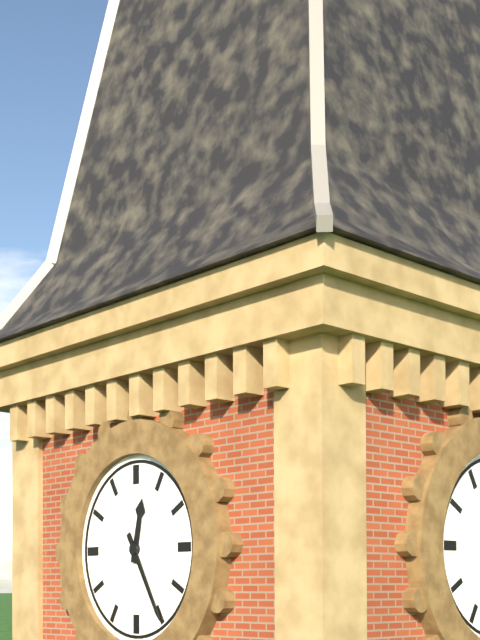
12:25
